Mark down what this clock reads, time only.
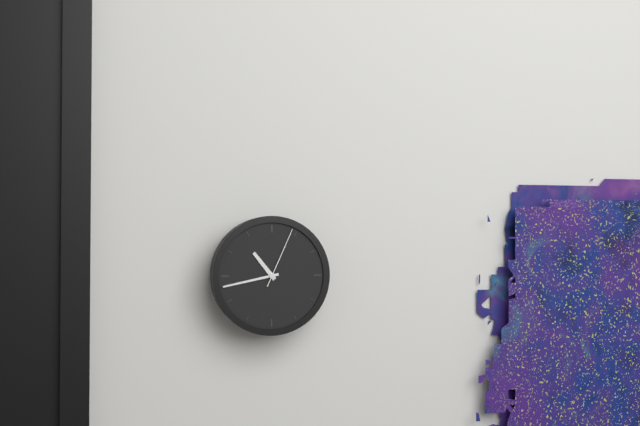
10:43:04
